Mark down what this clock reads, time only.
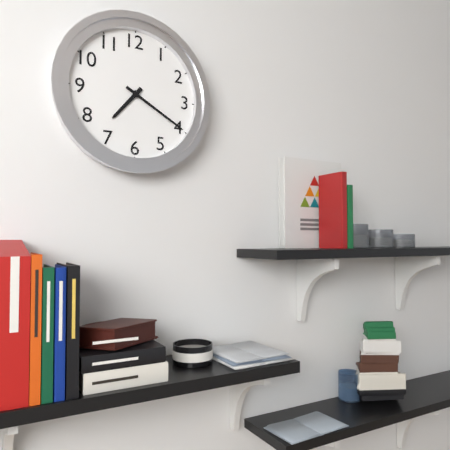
7:20
